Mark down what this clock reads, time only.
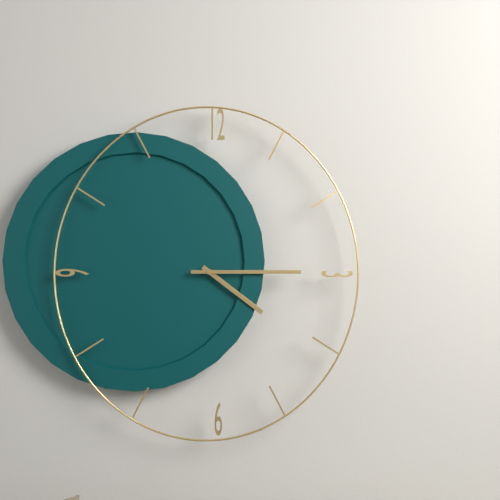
4:15
